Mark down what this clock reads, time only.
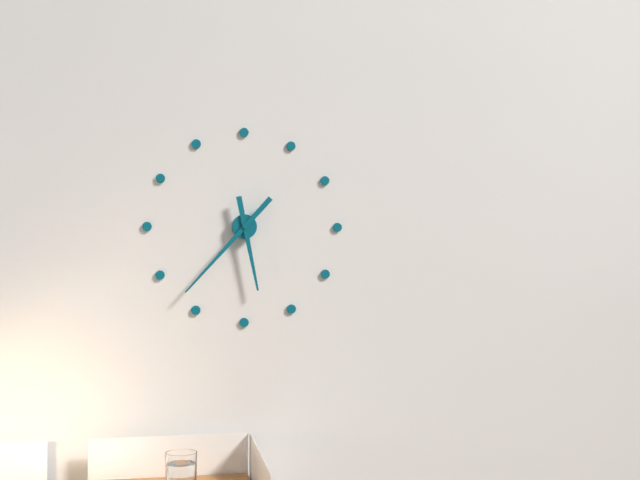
5:37
